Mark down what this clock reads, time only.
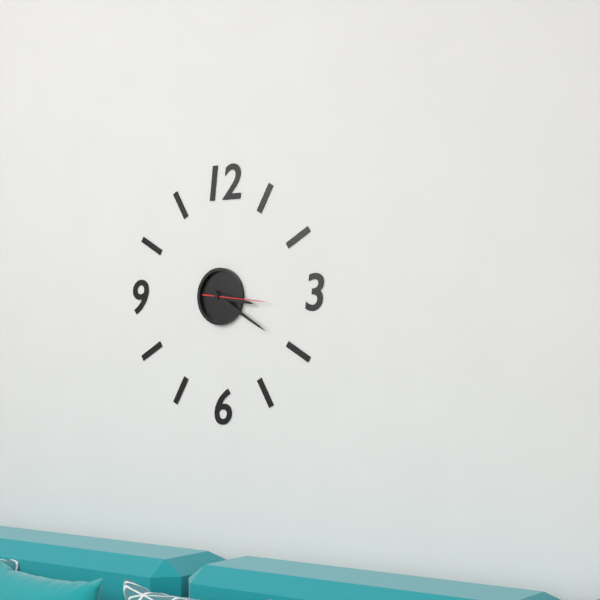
3:20:16
